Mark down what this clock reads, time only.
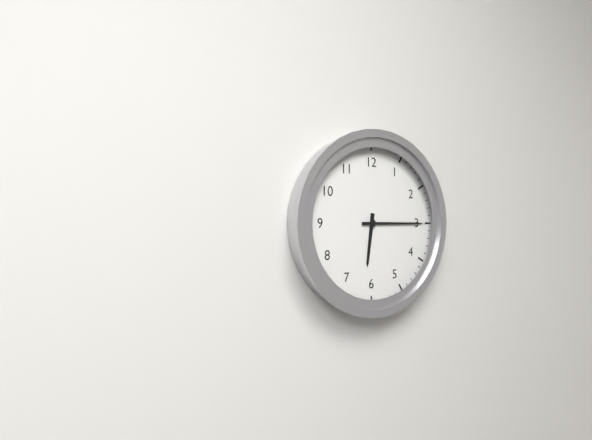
6:15
